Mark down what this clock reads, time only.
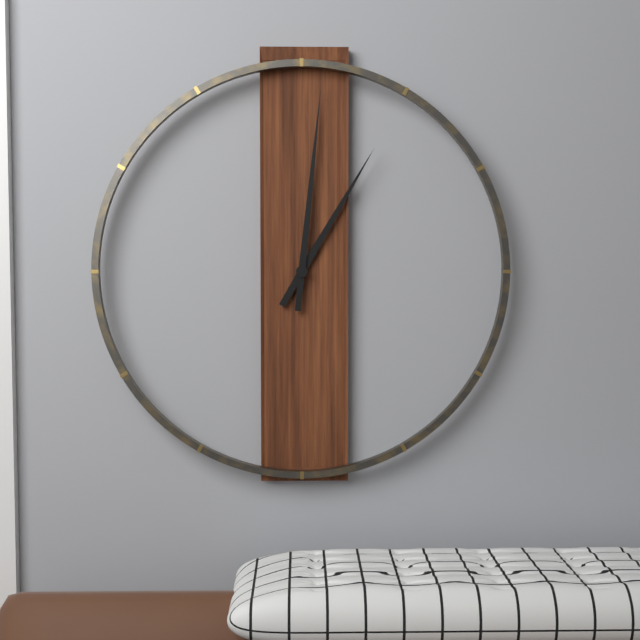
1:01
